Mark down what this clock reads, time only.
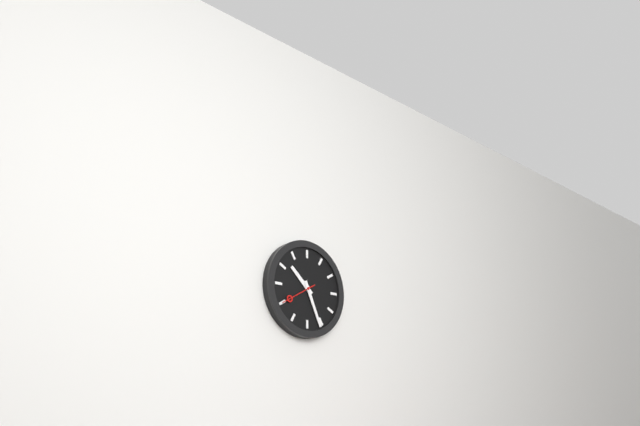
10:26
